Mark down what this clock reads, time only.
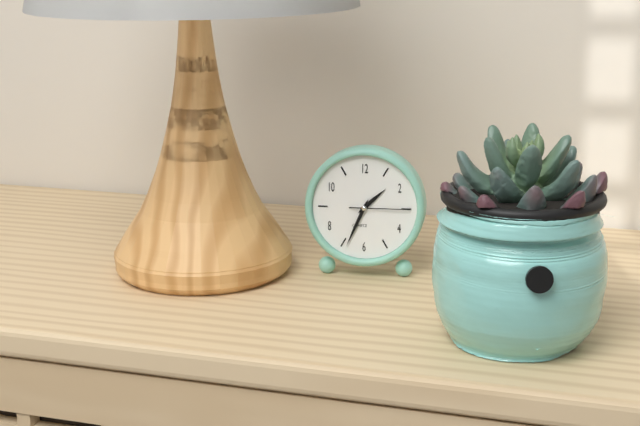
1:34:15
